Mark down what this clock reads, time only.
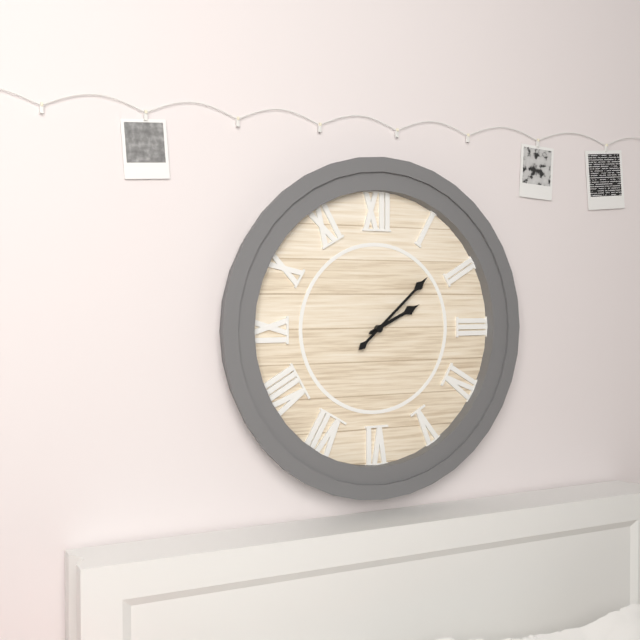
2:08
